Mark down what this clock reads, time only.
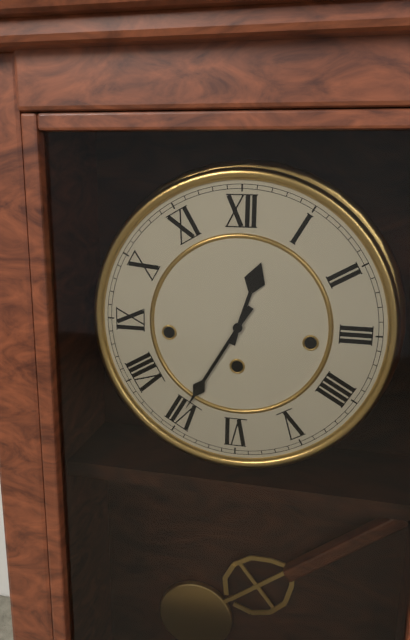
12:35
